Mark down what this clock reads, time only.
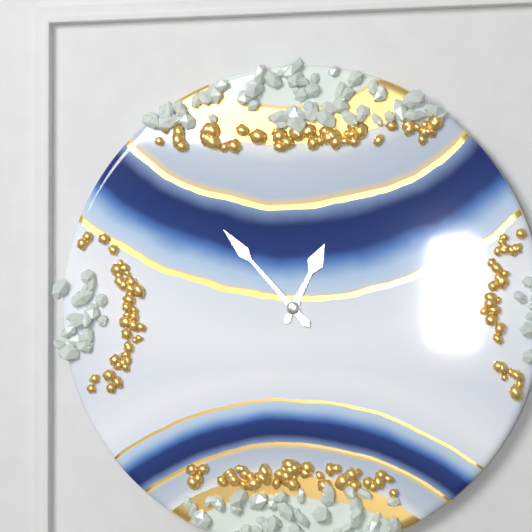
12:53
